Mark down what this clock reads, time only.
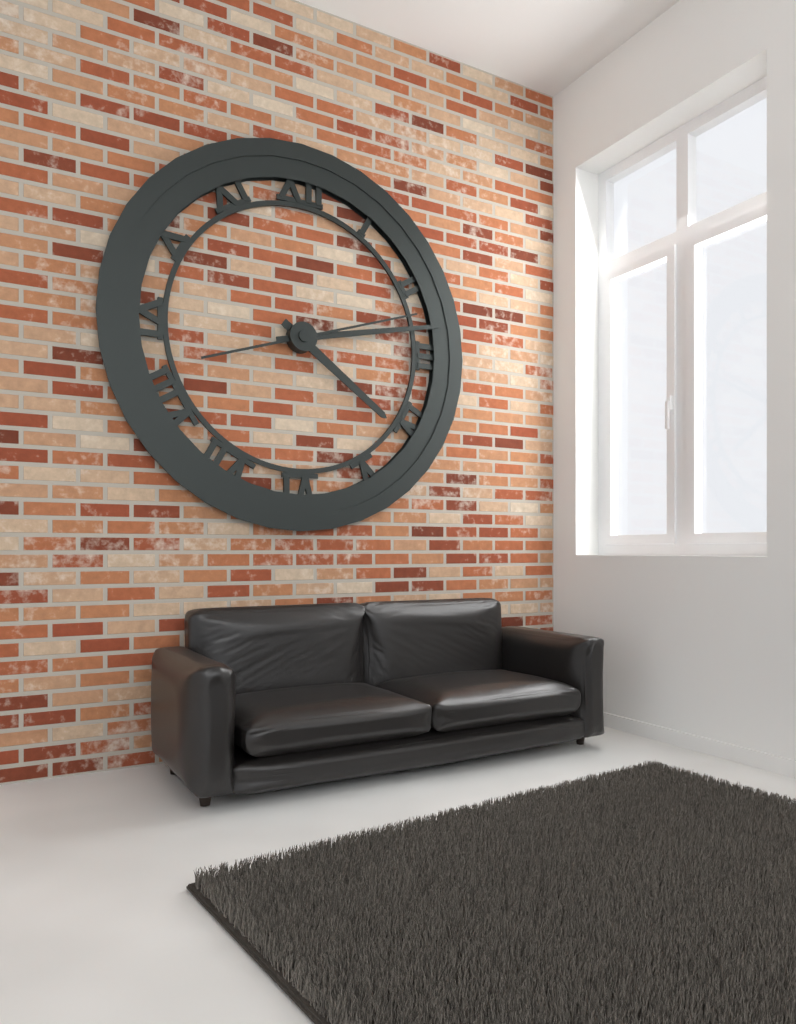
4:13:12
